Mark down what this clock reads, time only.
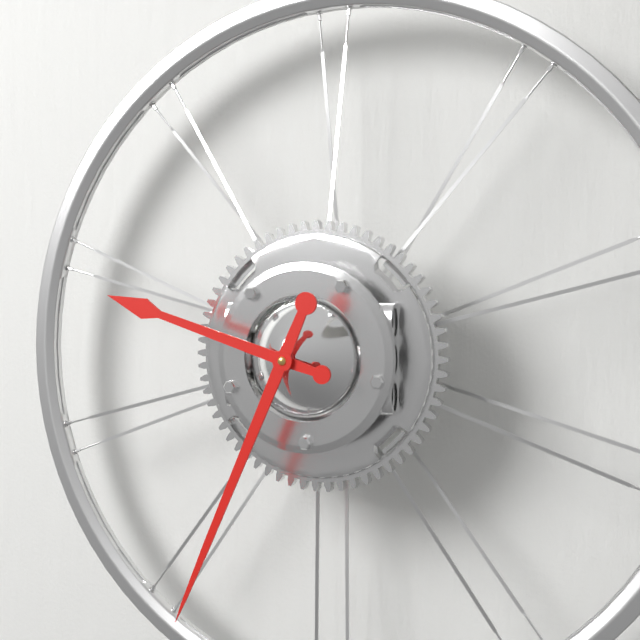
9:34
